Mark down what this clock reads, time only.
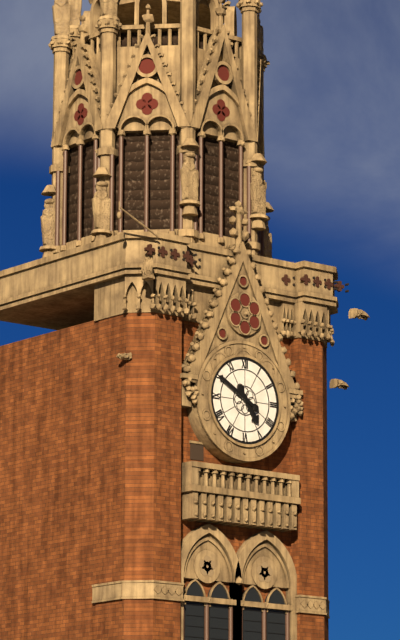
4:50
